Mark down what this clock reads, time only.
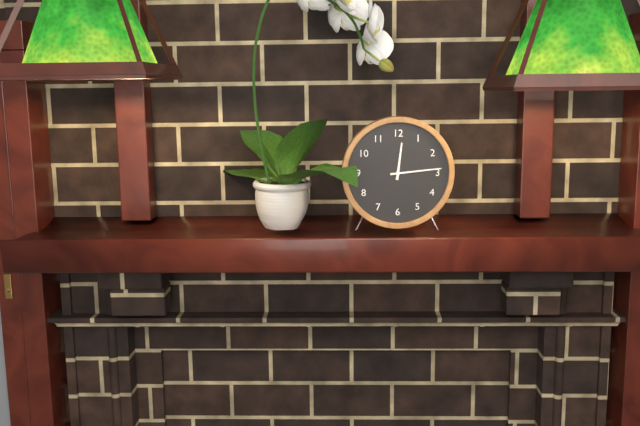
12:14
